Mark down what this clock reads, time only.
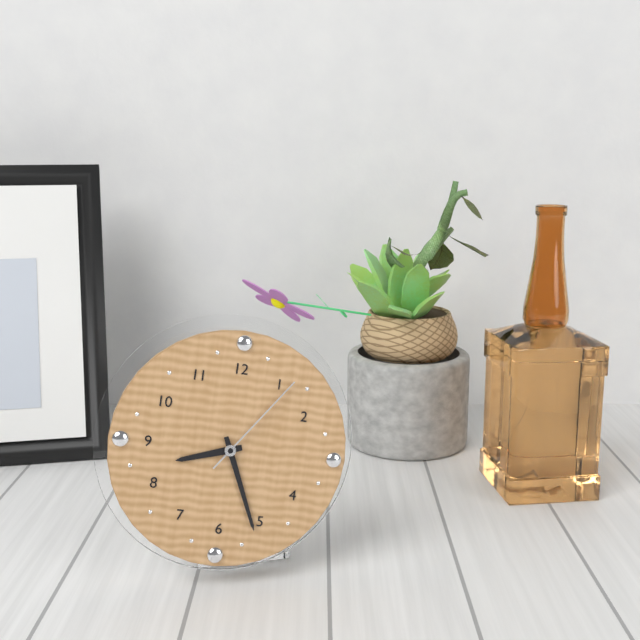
8:26:06
